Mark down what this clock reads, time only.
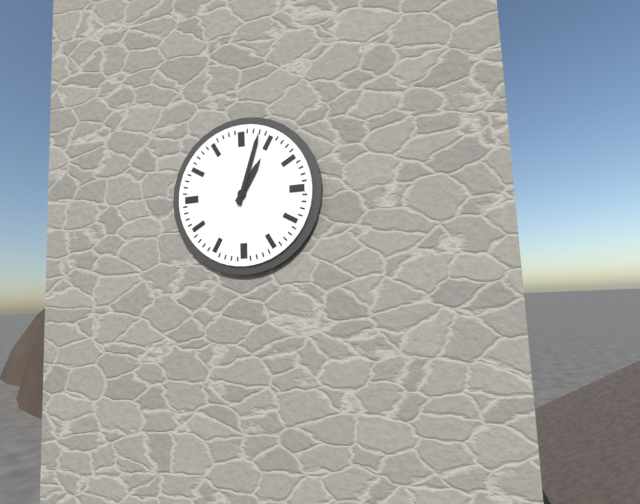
1:03
